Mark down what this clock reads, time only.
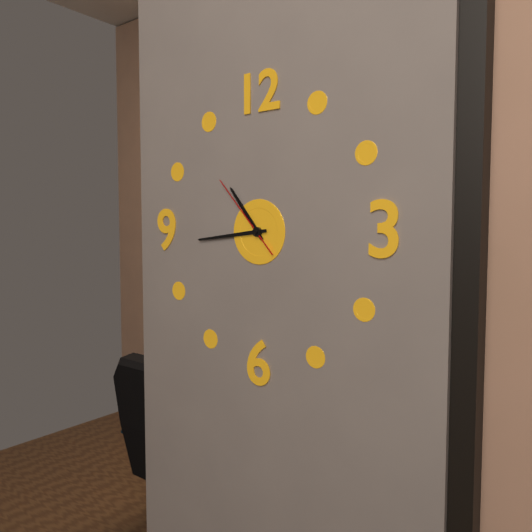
10:44:53
